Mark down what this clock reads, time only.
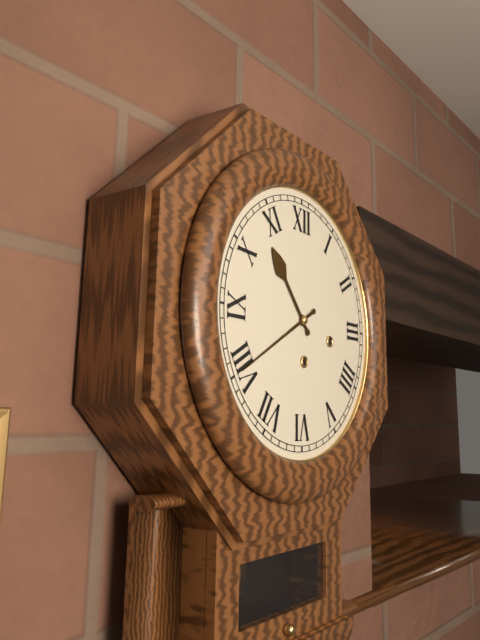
10:40
